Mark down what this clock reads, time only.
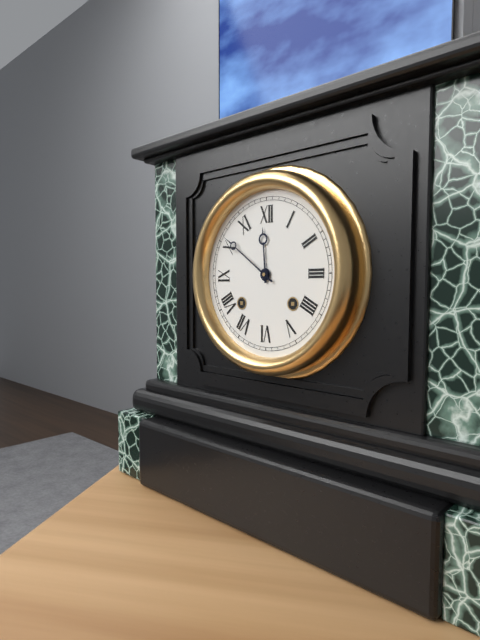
11:51
